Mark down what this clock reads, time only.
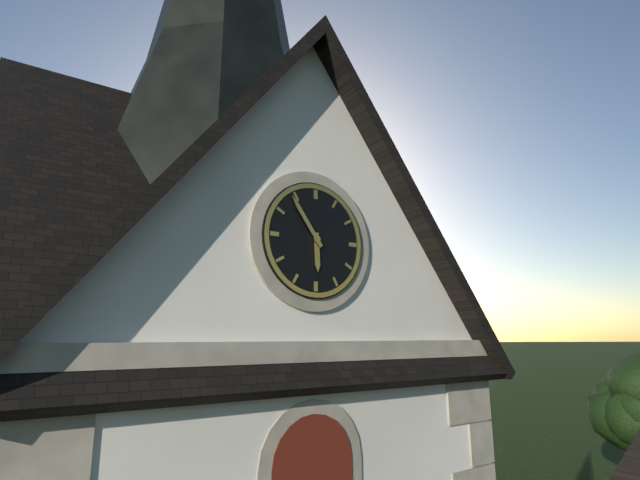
5:54
